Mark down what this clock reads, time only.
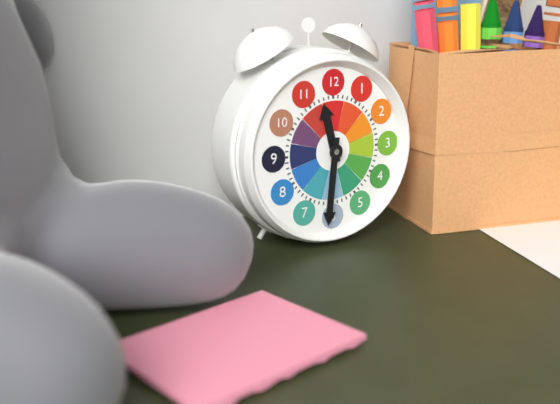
11:31
